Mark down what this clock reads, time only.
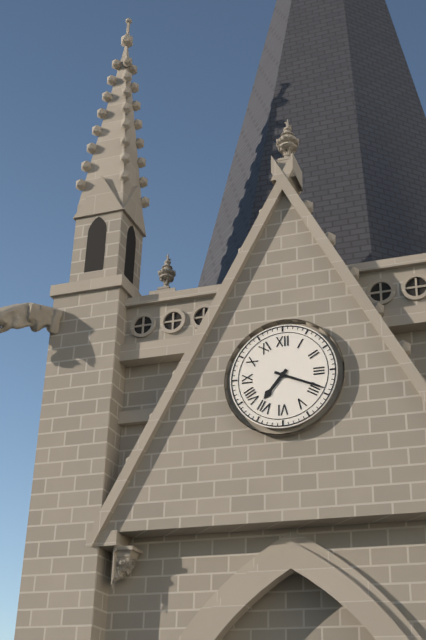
7:19
